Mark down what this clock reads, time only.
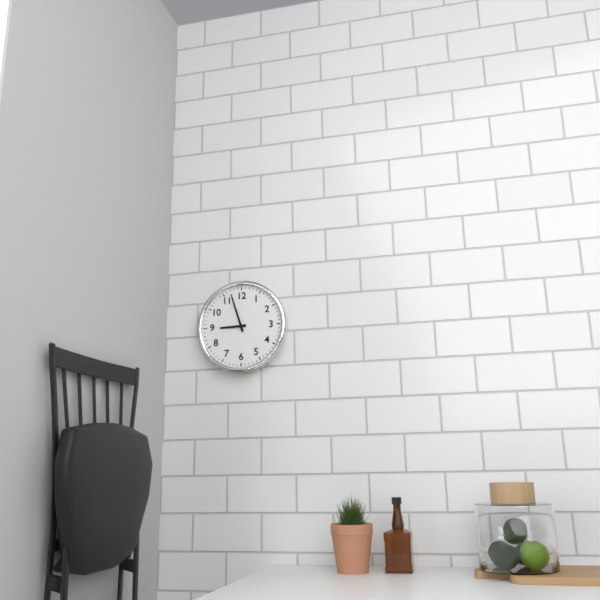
8:57
